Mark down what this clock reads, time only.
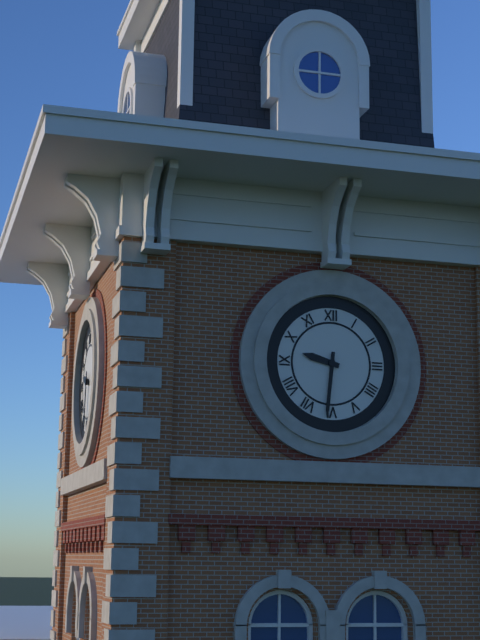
9:31
